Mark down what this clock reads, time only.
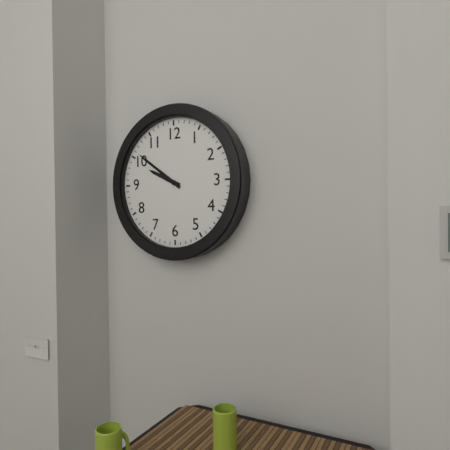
9:51
